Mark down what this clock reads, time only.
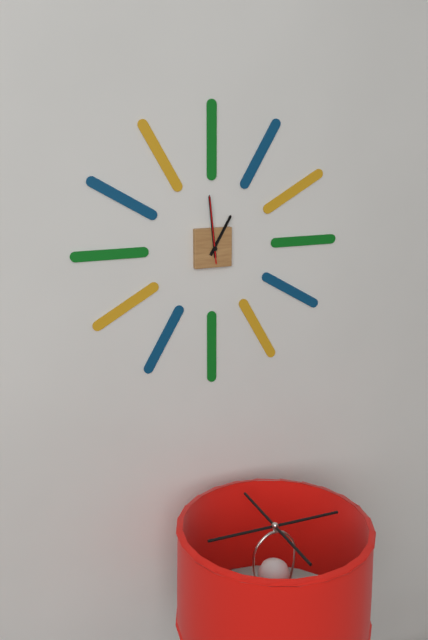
12:59:59
